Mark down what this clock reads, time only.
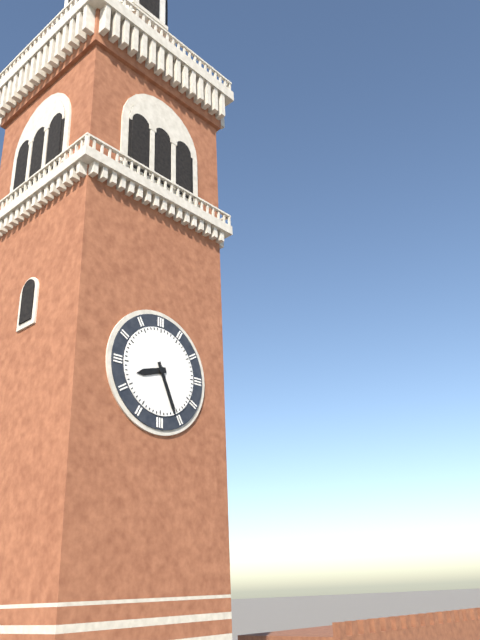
8:26
